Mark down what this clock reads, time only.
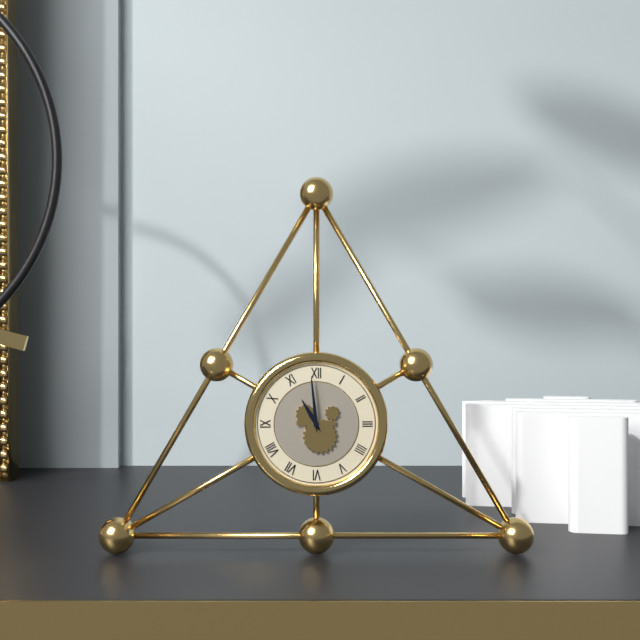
10:59
